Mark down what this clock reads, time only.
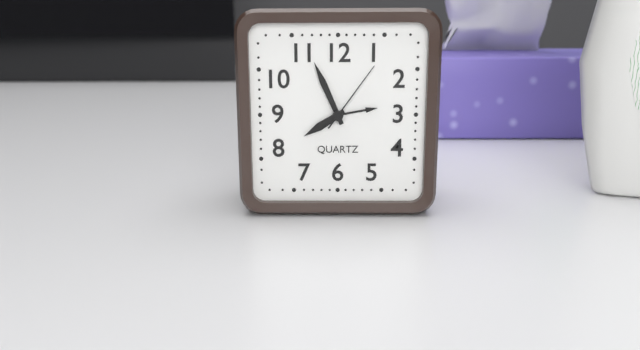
7:56:06
